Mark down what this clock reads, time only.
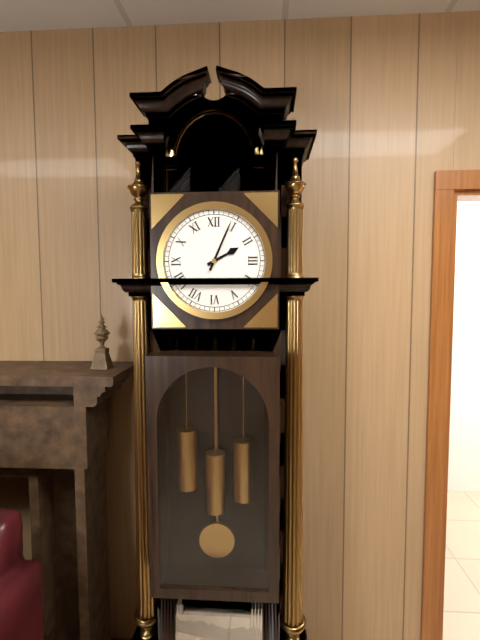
2:04
